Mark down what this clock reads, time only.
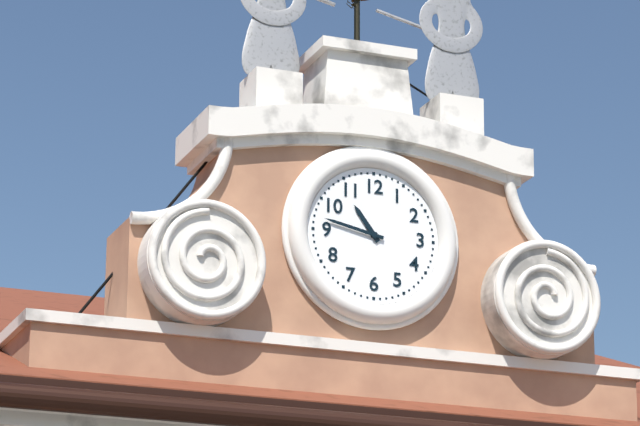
10:47
